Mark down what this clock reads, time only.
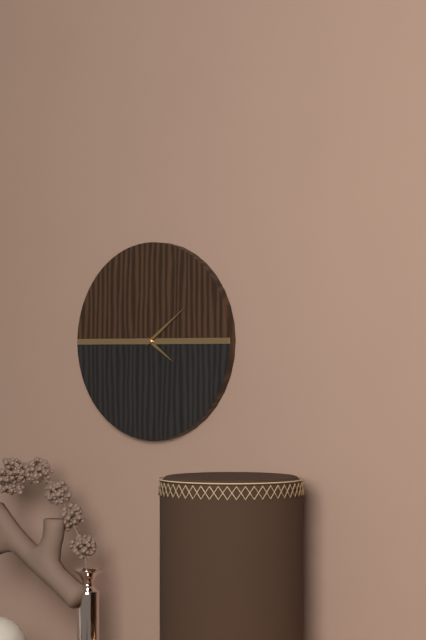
4:09
